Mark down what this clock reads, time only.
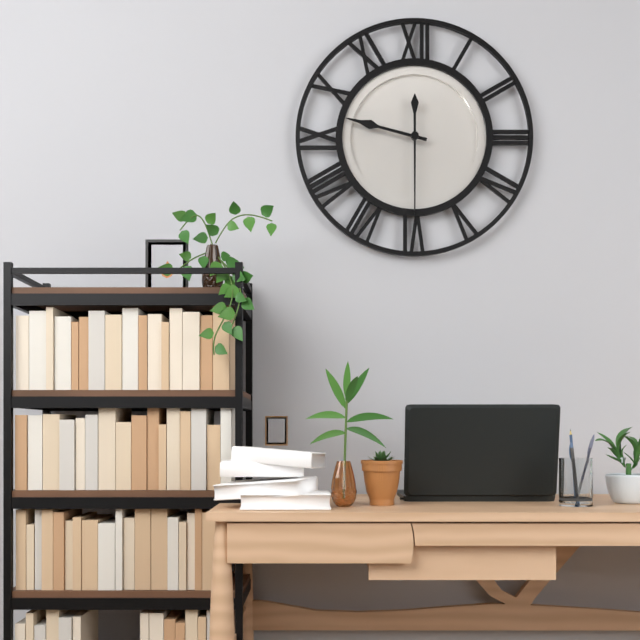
9:30
